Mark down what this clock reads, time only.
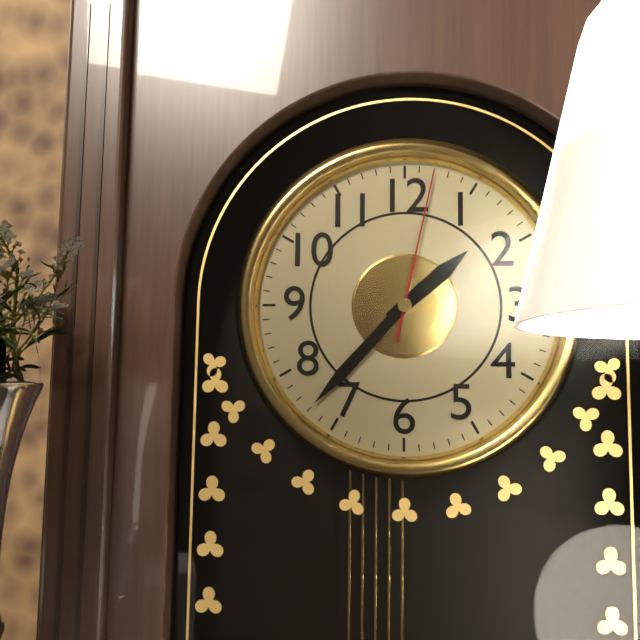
1:37:02
